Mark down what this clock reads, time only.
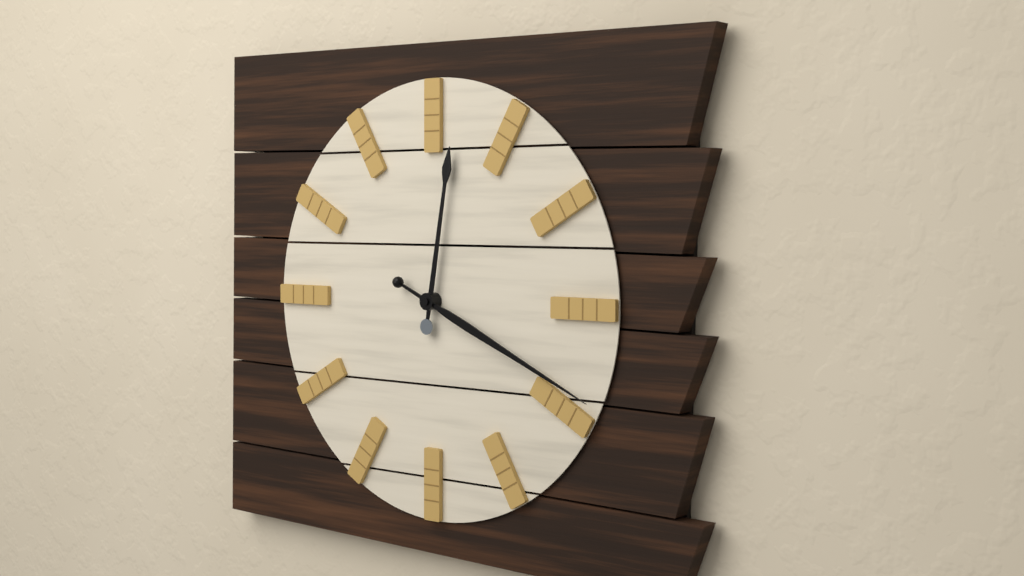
12:19
